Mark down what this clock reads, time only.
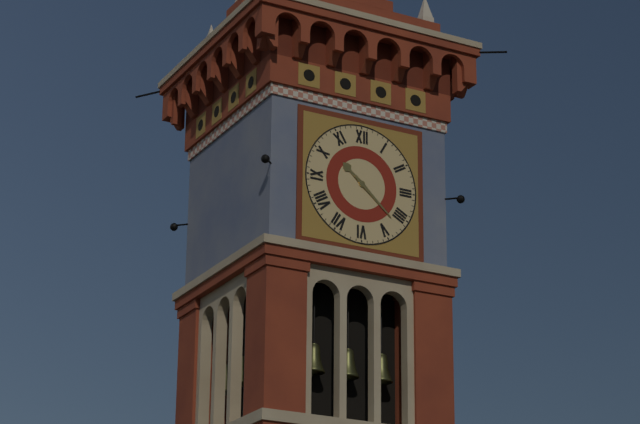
10:22
